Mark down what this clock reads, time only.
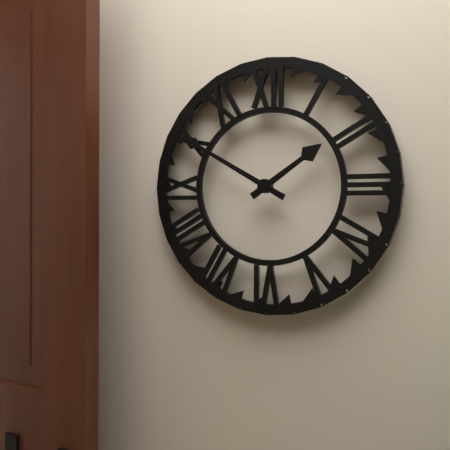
1:50
